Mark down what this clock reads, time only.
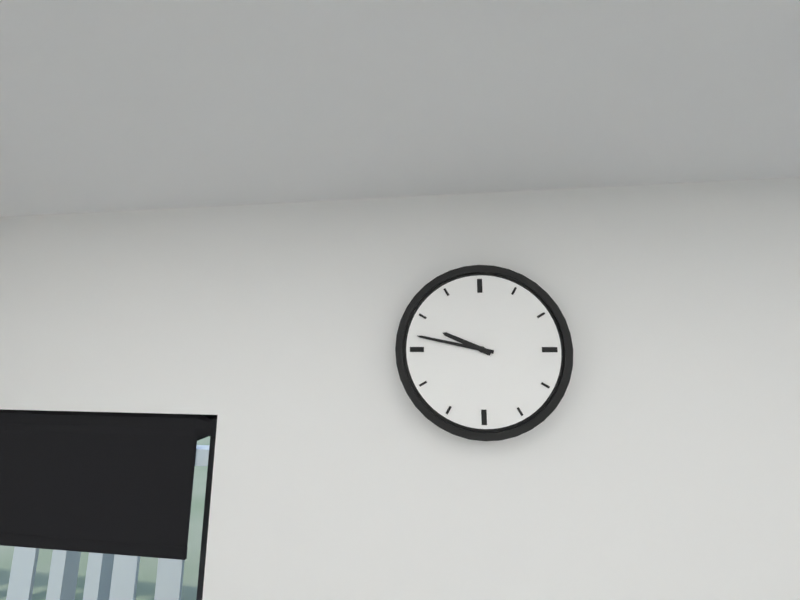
9:47
